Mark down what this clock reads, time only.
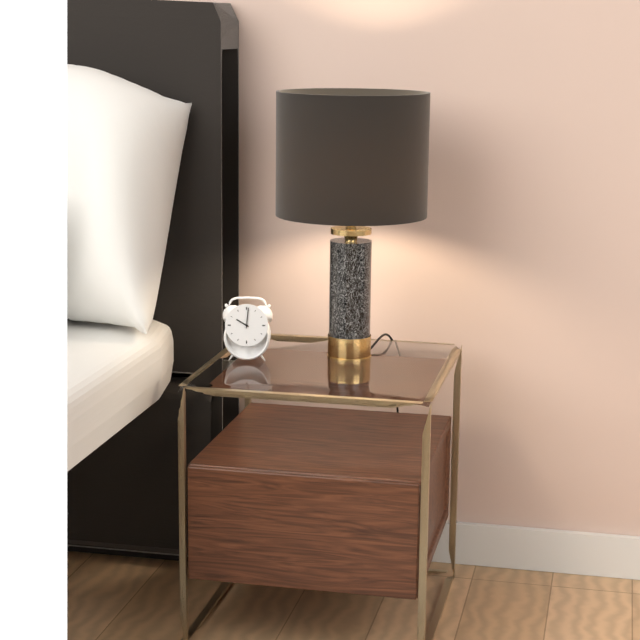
10:01
